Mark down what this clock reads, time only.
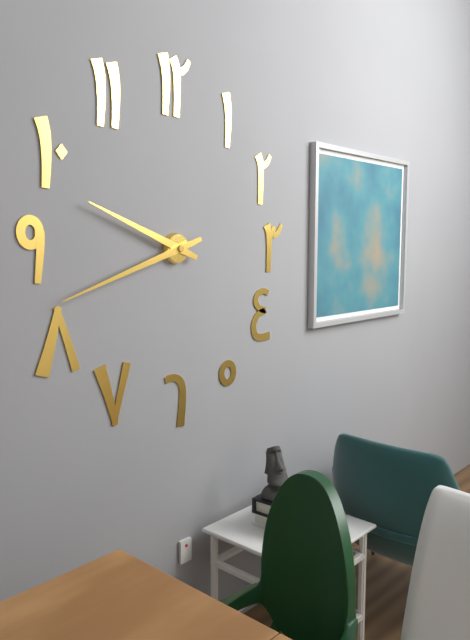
9:42
